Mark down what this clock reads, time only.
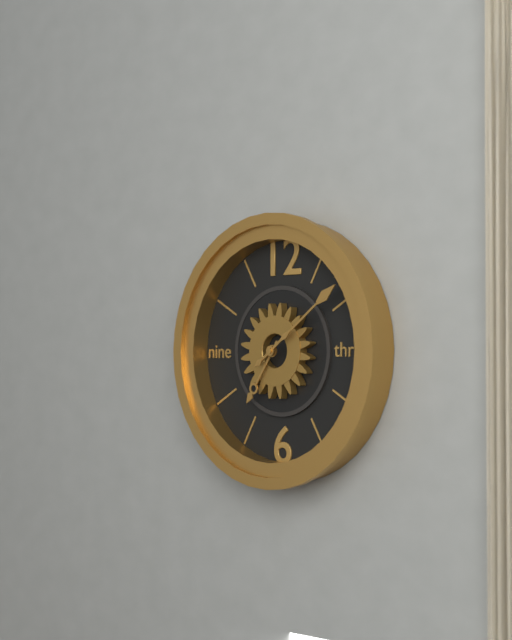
7:09
